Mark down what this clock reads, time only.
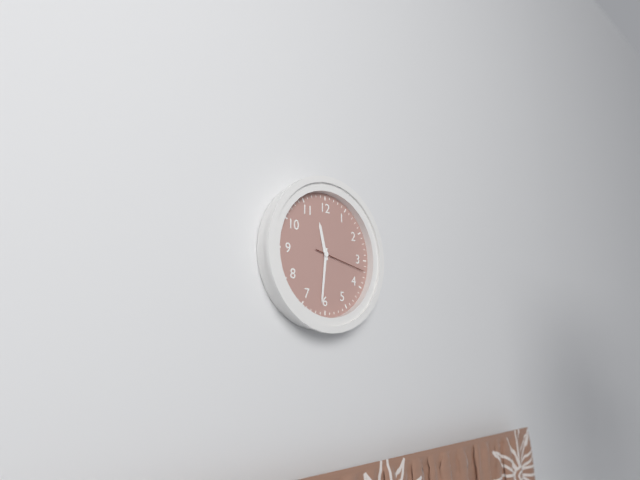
11:31:17
